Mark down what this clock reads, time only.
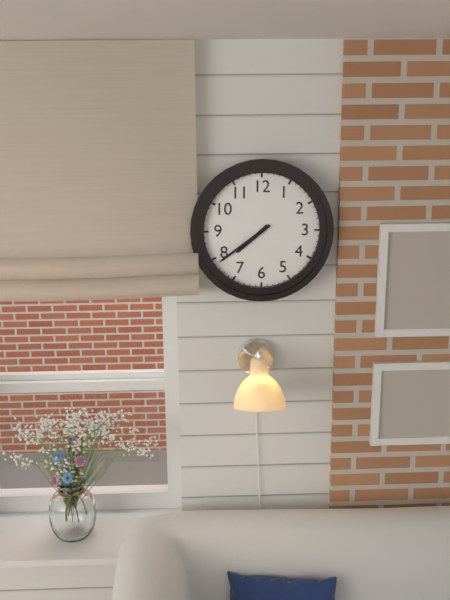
7:39
